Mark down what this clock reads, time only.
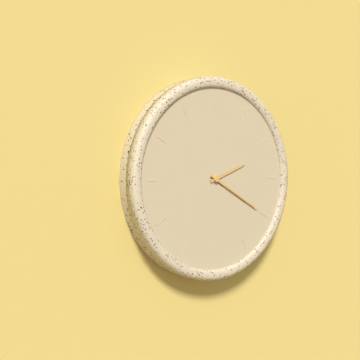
2:20
